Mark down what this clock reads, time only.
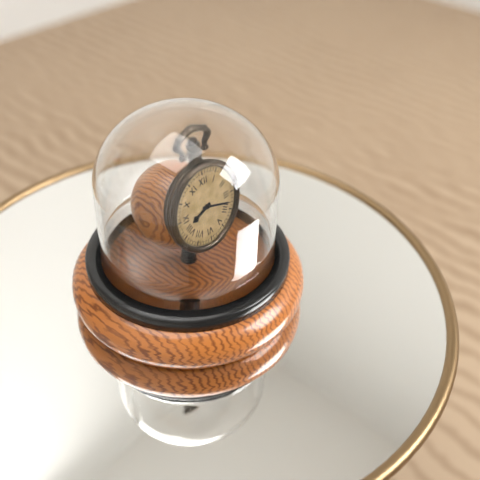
8:18
